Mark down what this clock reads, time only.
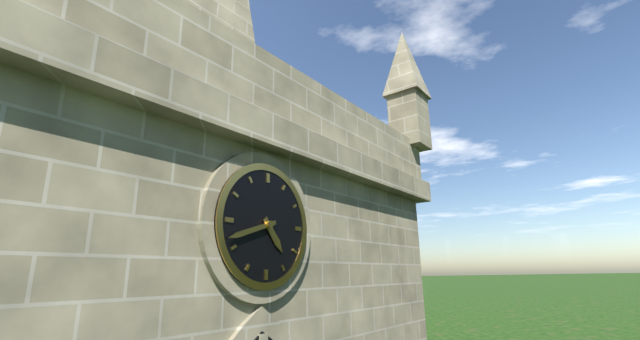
4:42
